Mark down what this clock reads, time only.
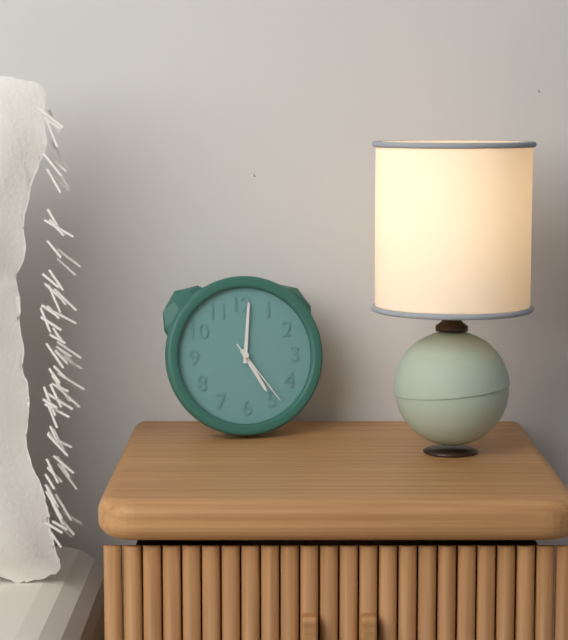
5:01:24
